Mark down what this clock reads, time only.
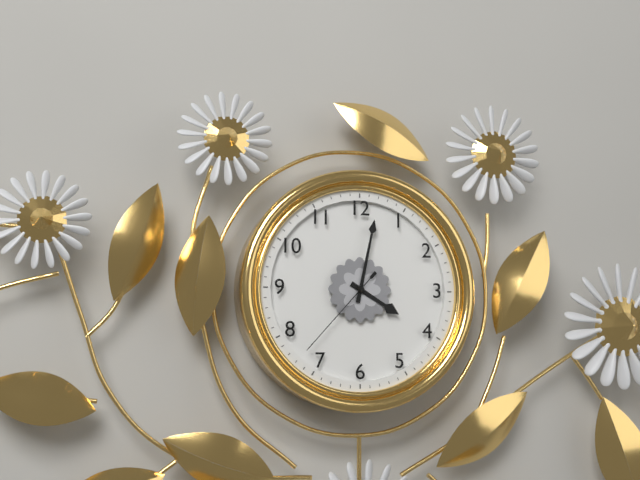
4:02:37
